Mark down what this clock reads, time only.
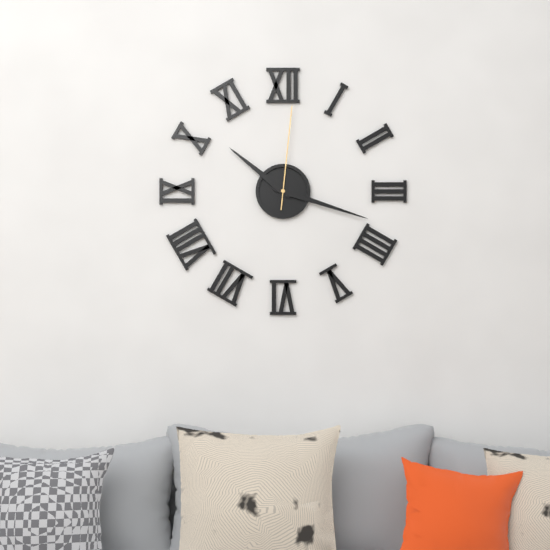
10:18:01
